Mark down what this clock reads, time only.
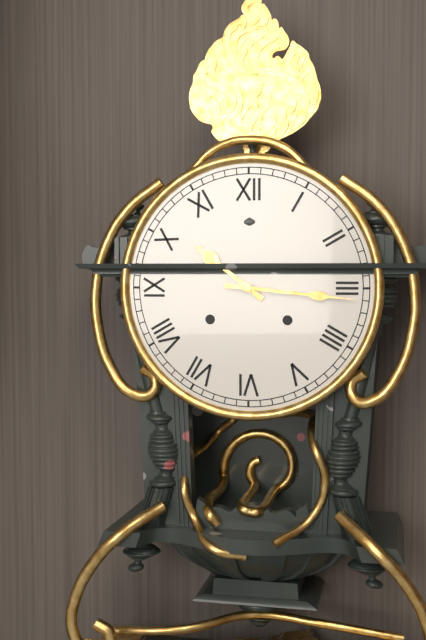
10:16
